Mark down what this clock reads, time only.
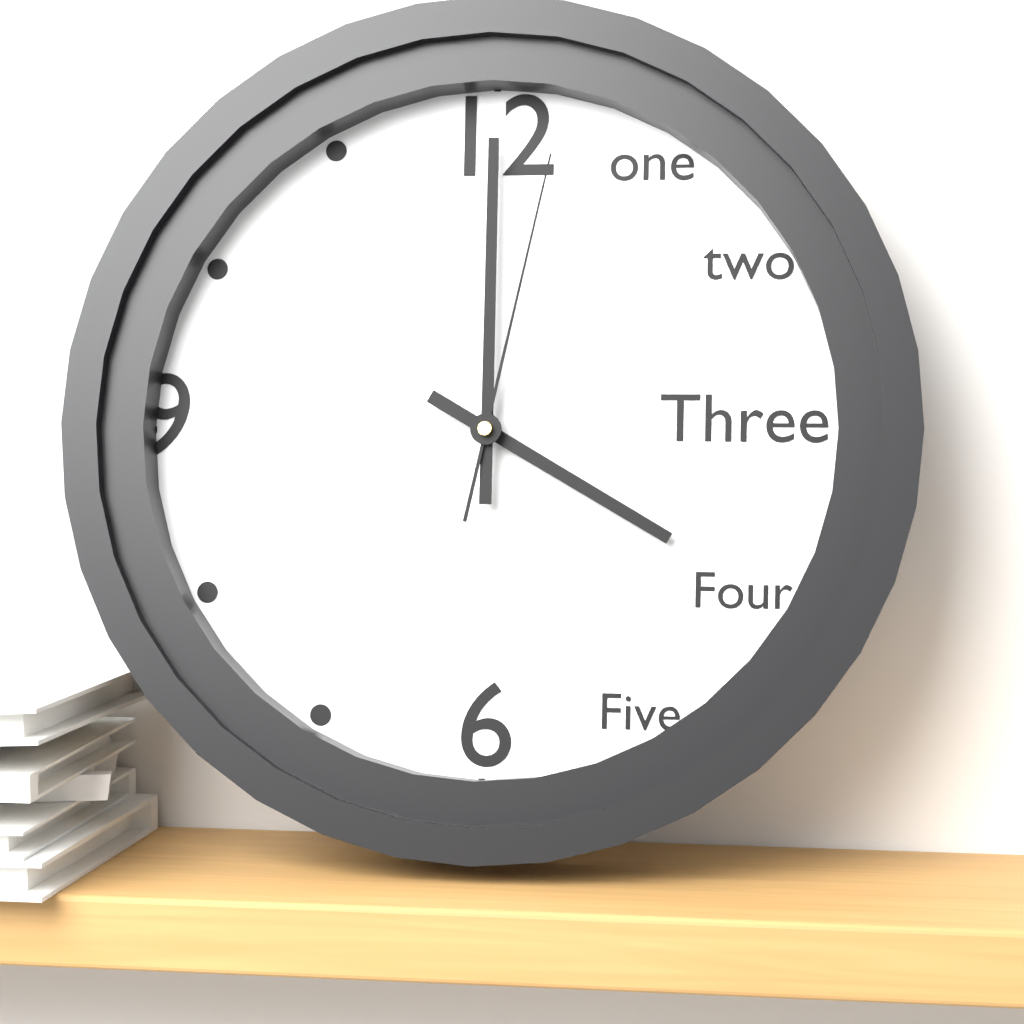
4:00:02
